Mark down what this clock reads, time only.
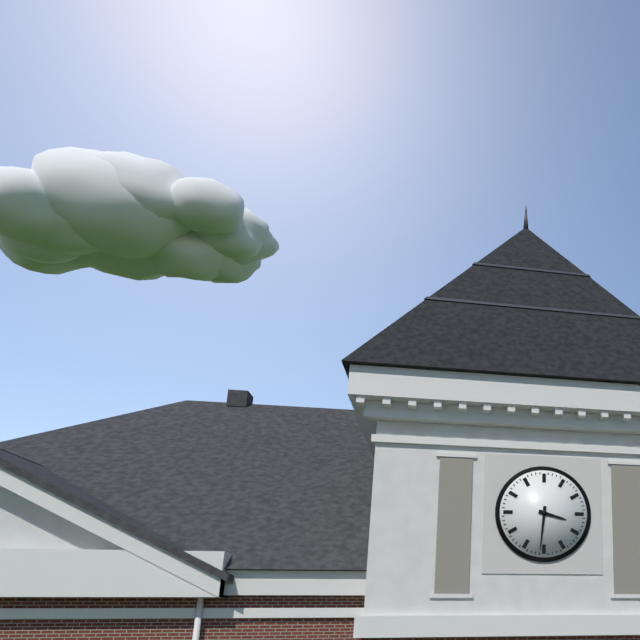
3:31
